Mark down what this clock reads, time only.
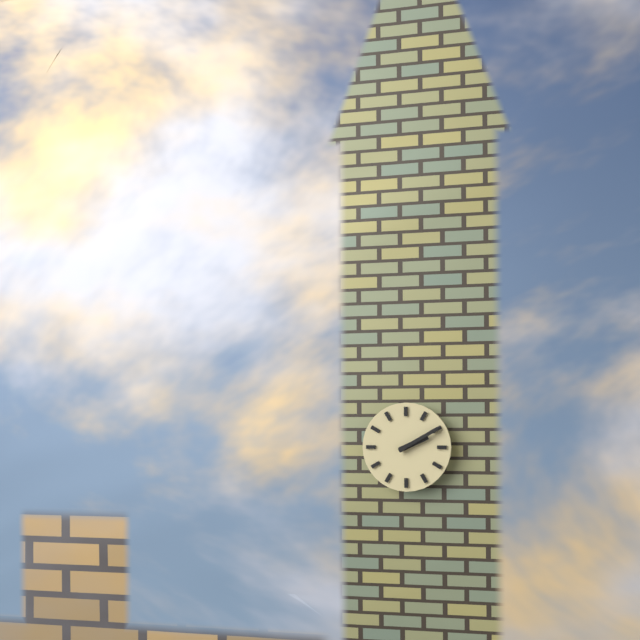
2:10
